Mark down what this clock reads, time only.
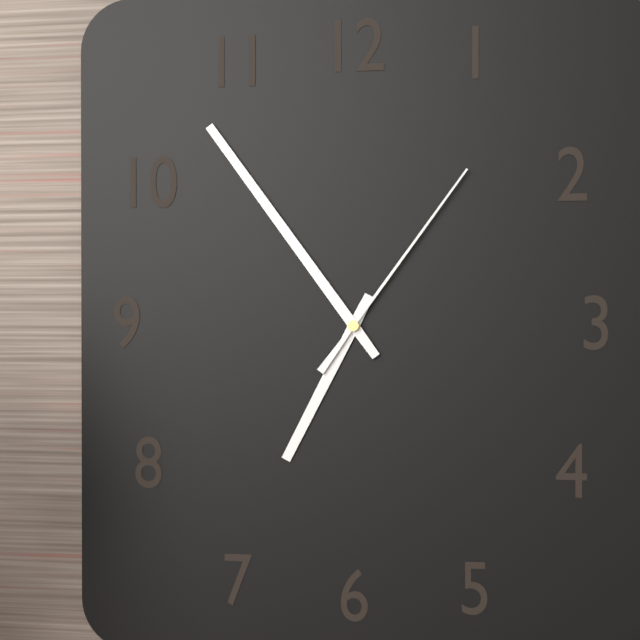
6:54:06
